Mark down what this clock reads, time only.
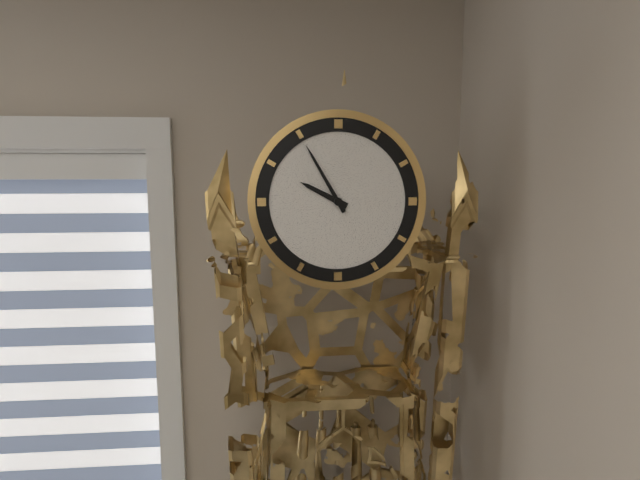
9:55
